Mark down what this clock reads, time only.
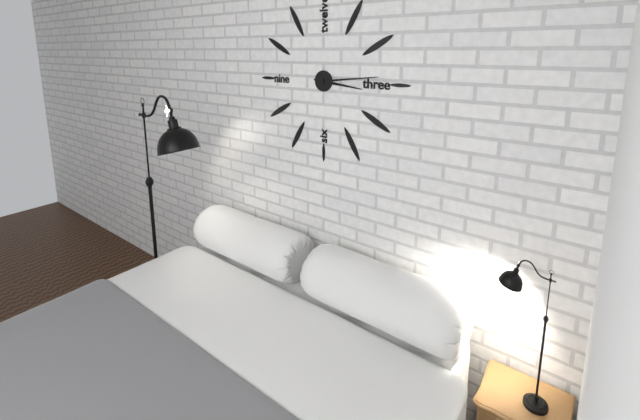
3:14
